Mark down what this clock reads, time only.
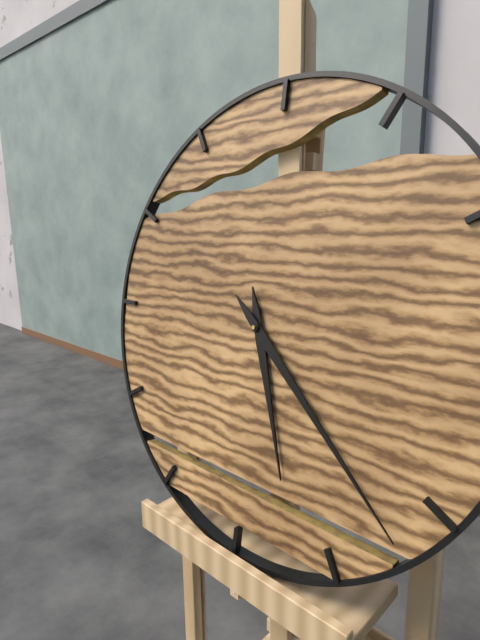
5:22
